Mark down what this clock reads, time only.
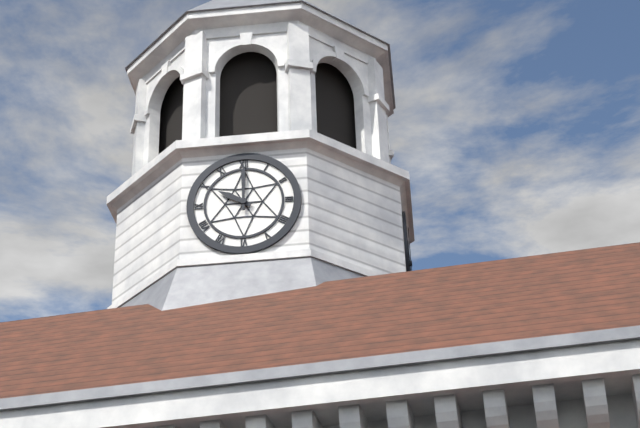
10:00
